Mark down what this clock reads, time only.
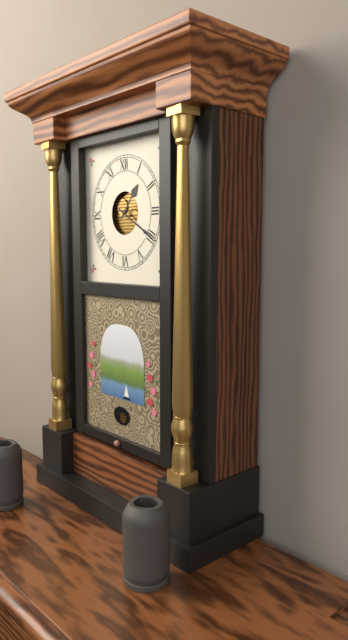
1:20
